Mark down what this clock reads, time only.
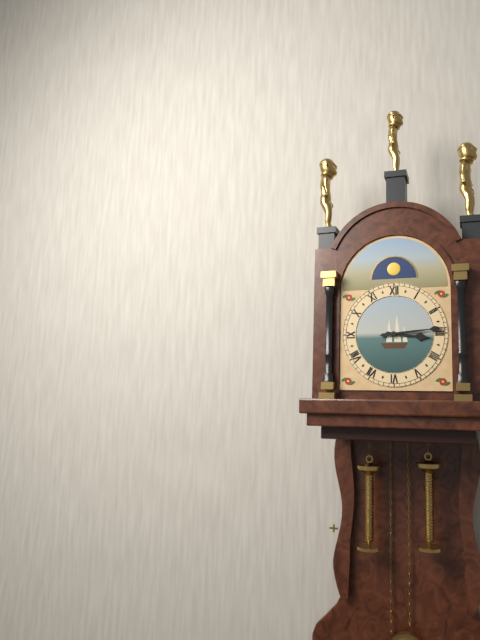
3:14
